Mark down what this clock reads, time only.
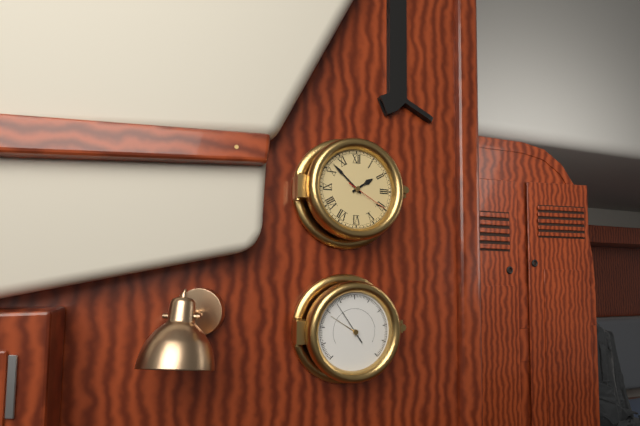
1:52:20
